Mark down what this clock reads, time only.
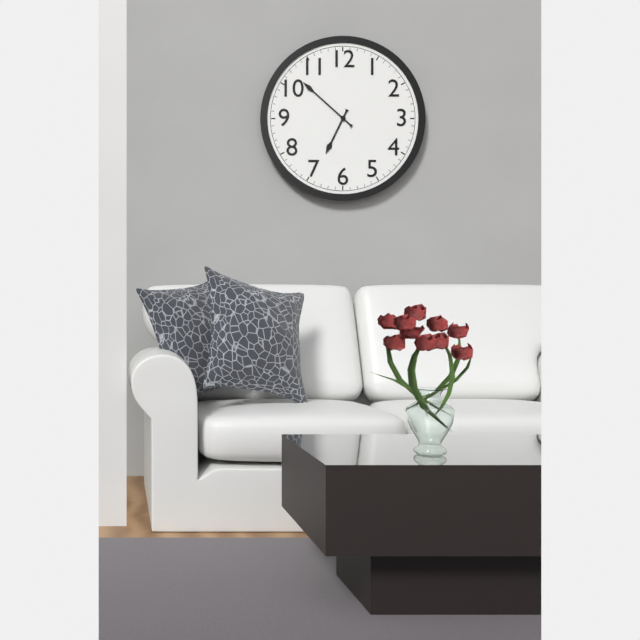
6:52
